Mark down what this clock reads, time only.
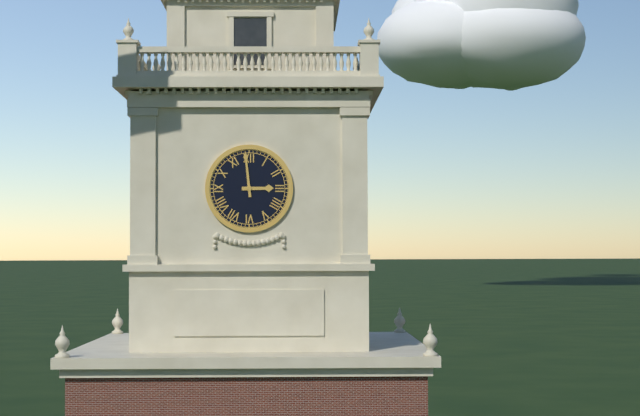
2:59
